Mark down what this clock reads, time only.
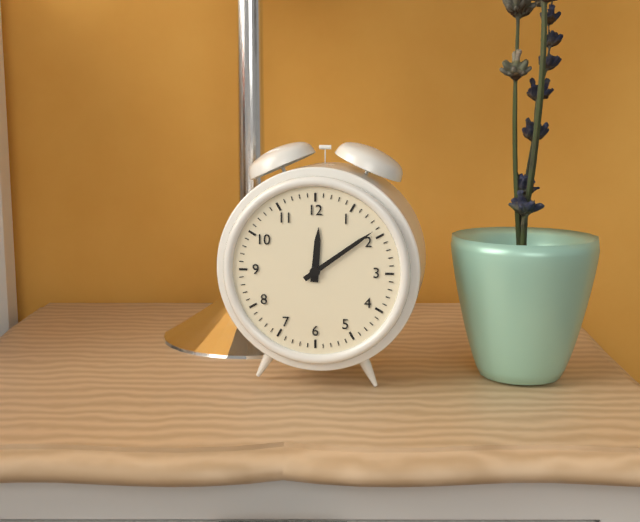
12:09
